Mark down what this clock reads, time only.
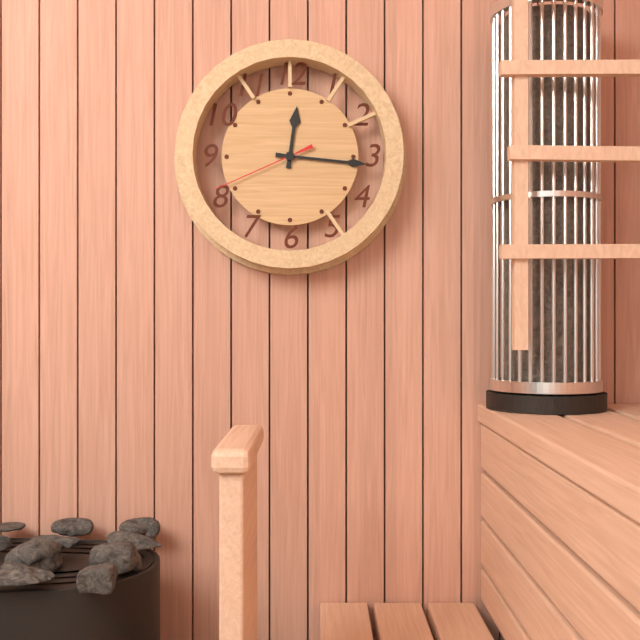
12:16:41
